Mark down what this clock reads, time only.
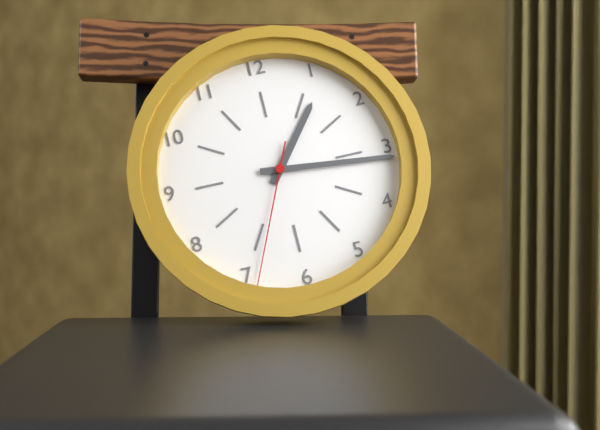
1:16:34
